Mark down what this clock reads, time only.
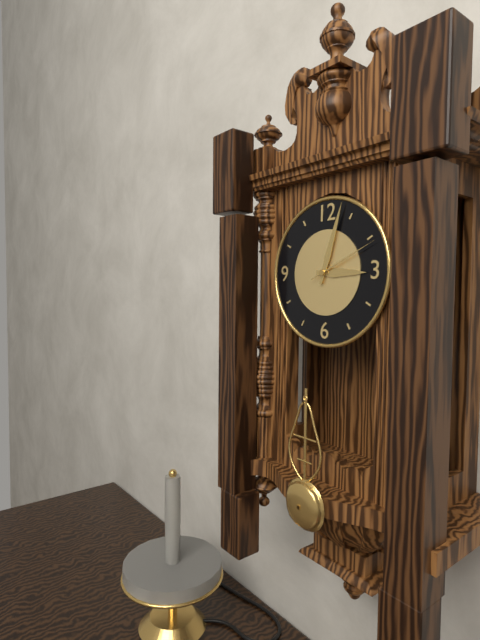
3:03:11
